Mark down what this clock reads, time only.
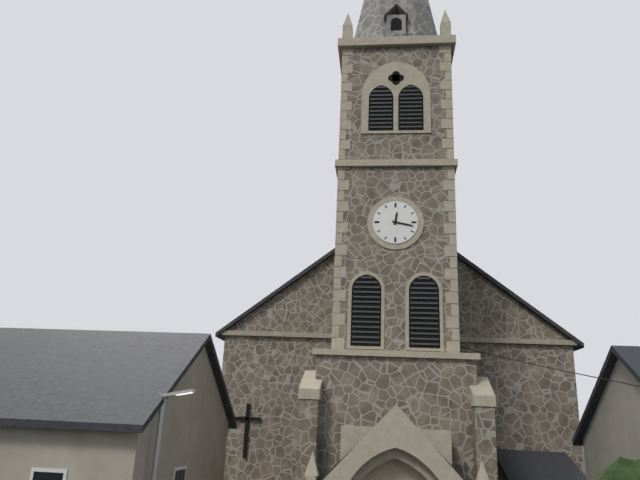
12:17
